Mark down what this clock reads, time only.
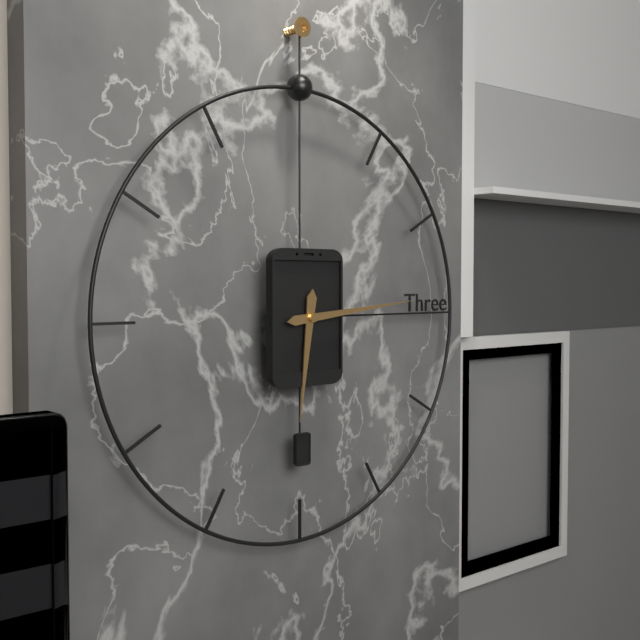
6:14
